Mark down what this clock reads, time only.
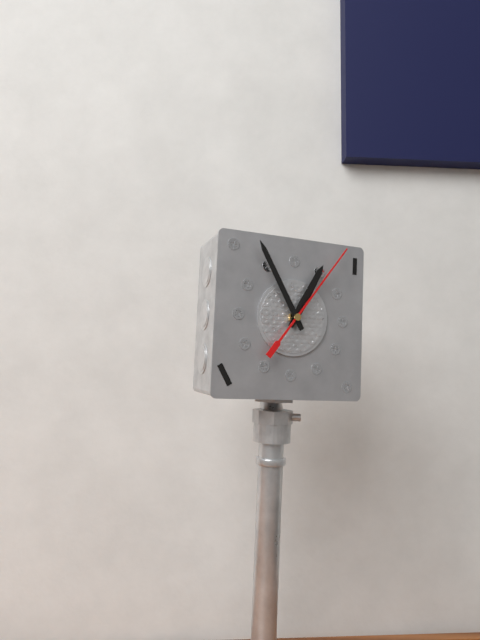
12:55:06
